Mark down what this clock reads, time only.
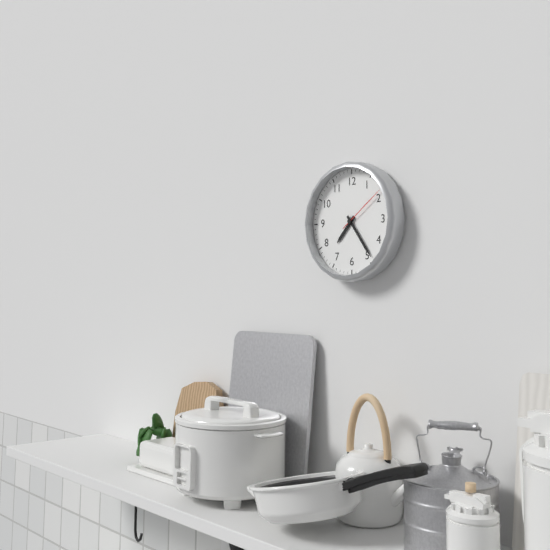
7:24:09
